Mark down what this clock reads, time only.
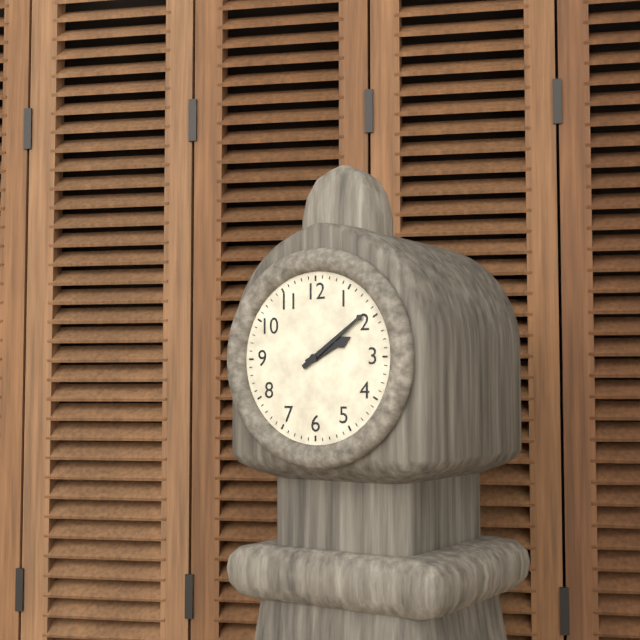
2:09
